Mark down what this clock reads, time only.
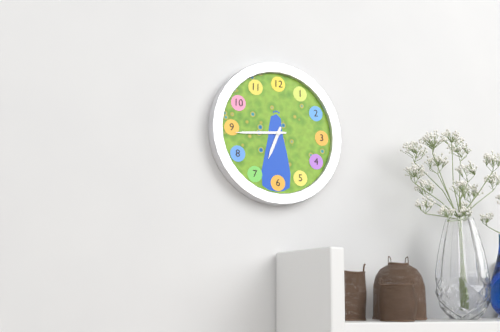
6:44
